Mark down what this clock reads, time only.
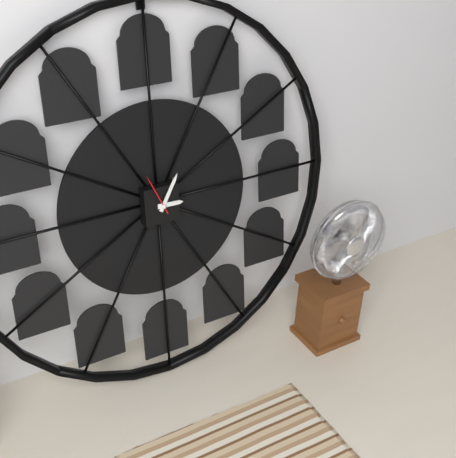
3:05
